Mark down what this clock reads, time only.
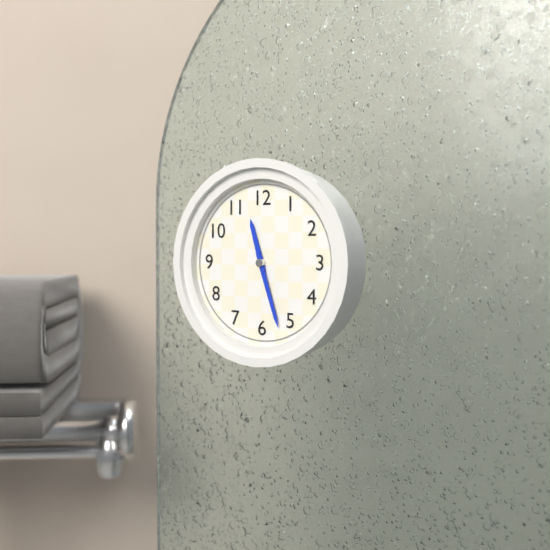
11:27
